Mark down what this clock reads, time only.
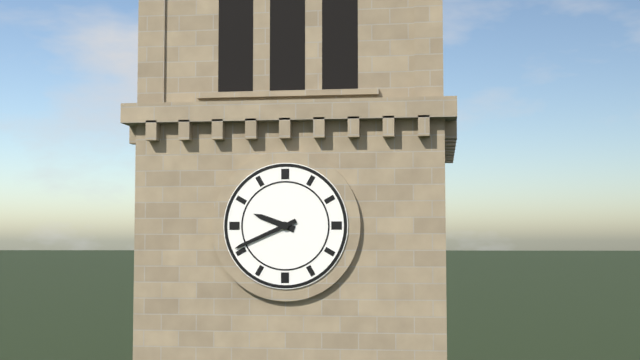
9:41
